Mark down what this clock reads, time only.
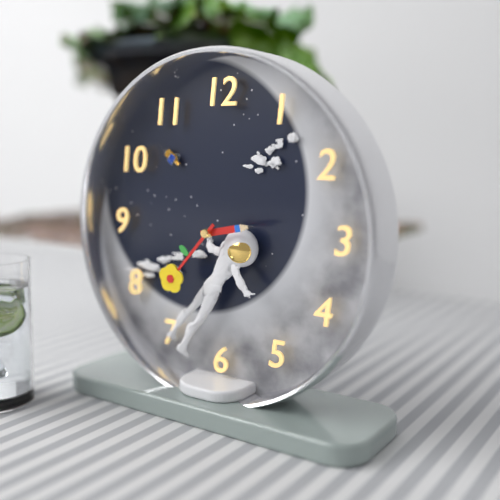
2:37
